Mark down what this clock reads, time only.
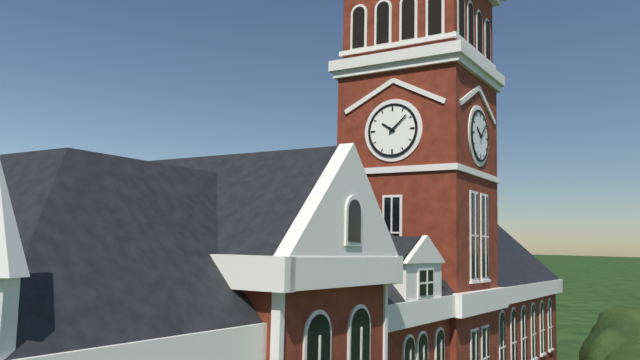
10:08
